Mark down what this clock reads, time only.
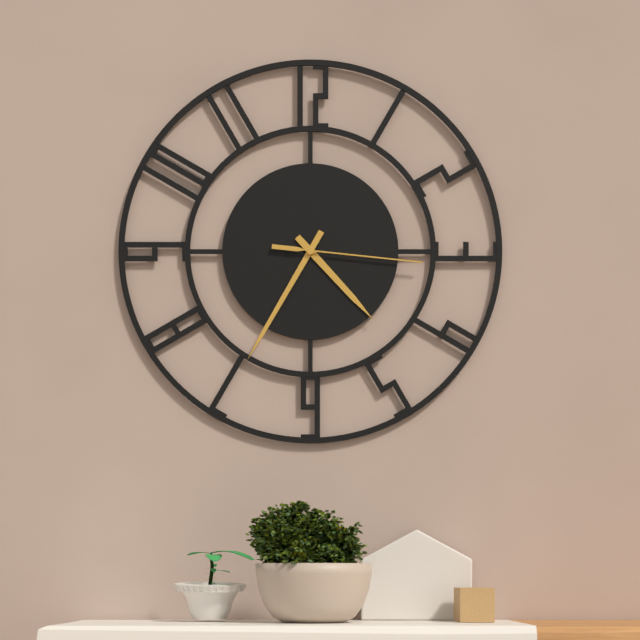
4:35:16
